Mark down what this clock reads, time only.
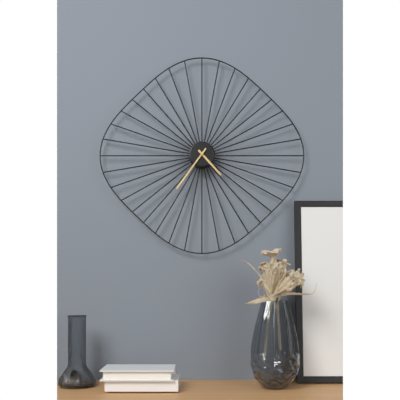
4:36
